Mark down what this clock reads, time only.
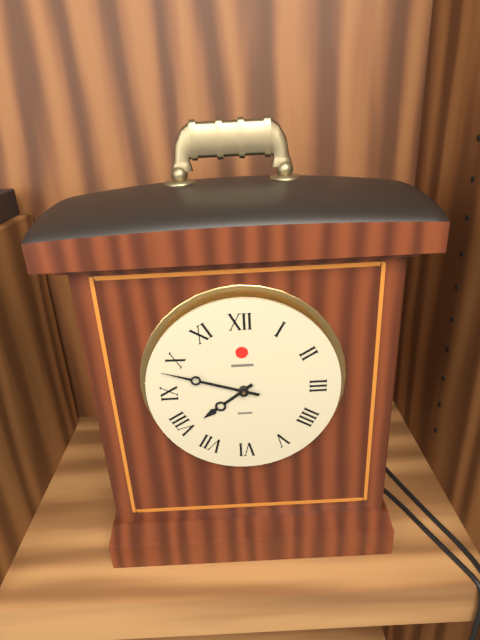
7:48
